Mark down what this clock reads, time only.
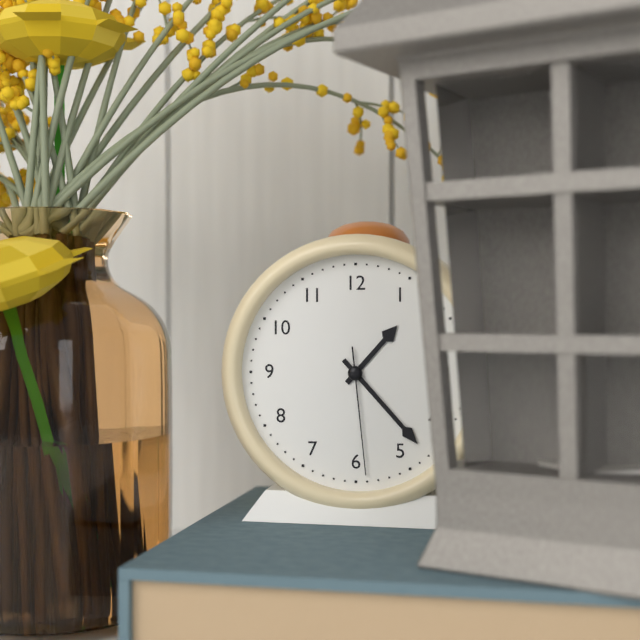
1:23:29
